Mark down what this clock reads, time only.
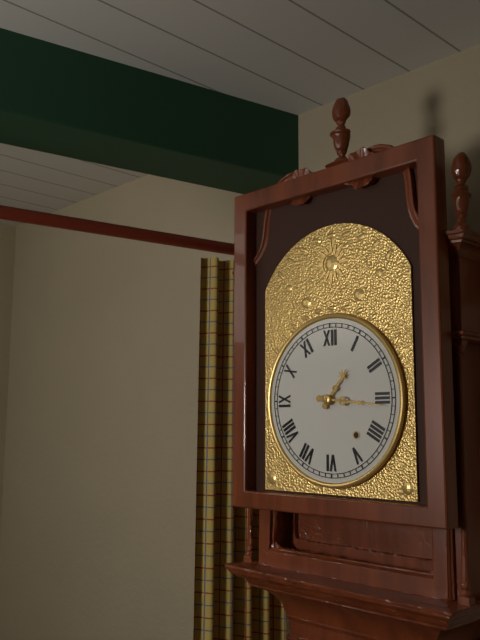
1:16
